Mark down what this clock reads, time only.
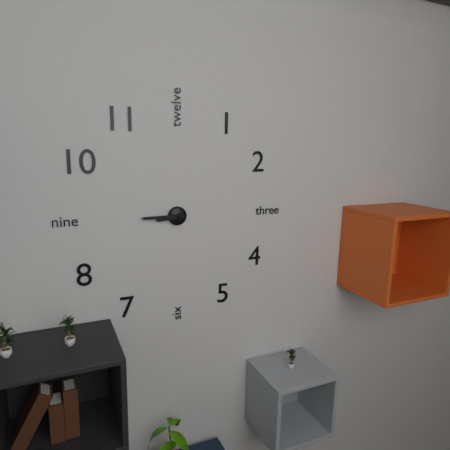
8:45
